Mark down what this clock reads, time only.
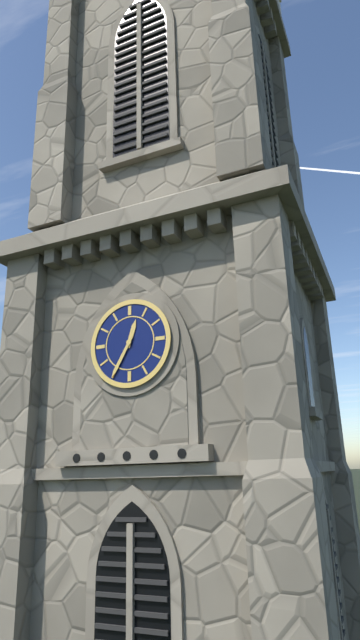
12:35
